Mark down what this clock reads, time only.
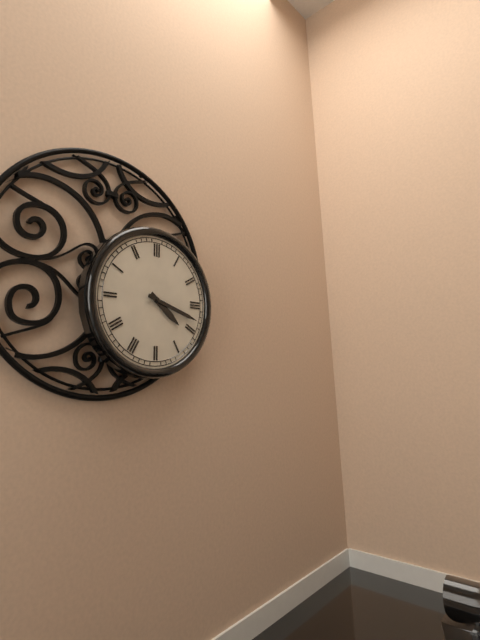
4:18
